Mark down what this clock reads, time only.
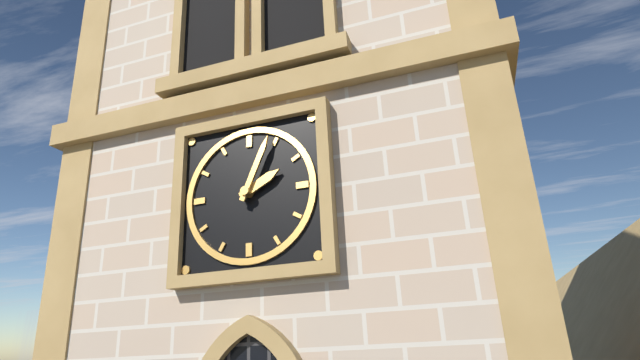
2:04
